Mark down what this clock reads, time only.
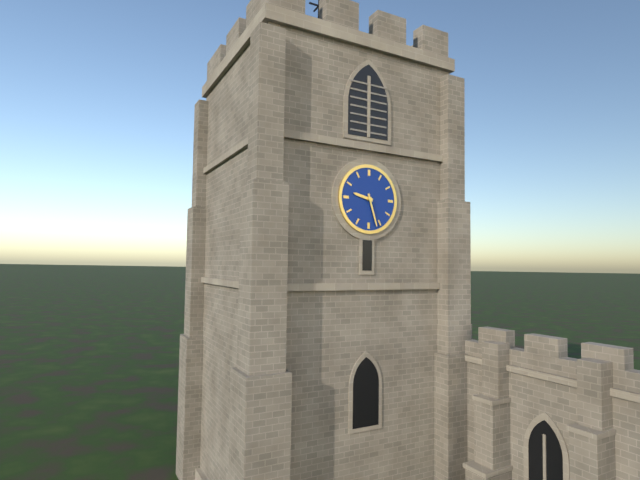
9:27
